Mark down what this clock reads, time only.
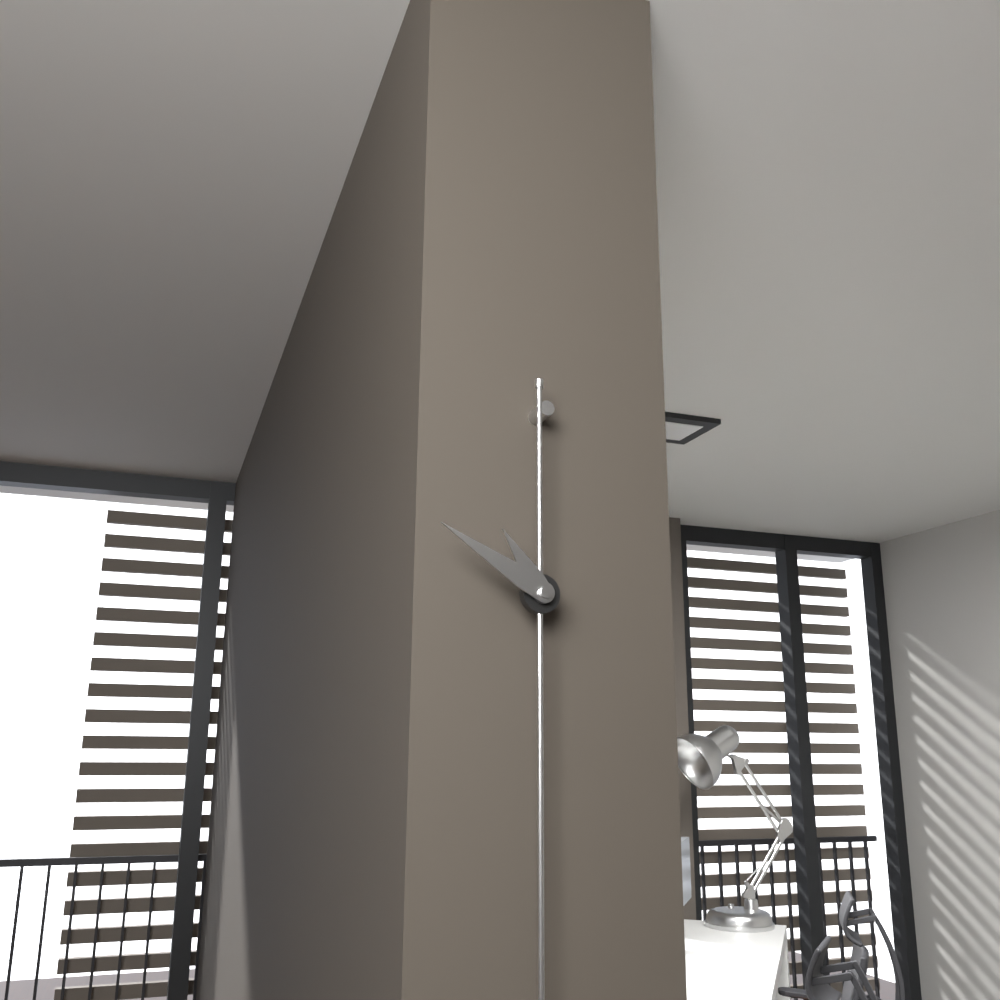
10:50
